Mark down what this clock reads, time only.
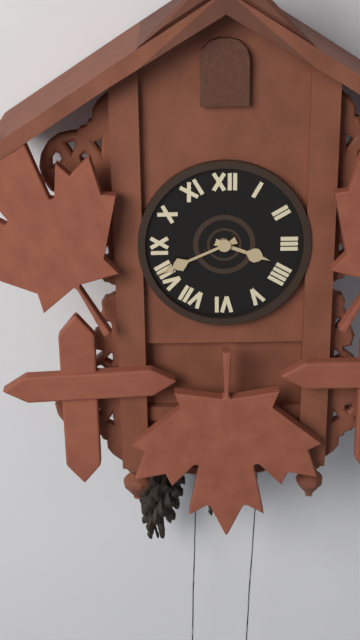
3:41
